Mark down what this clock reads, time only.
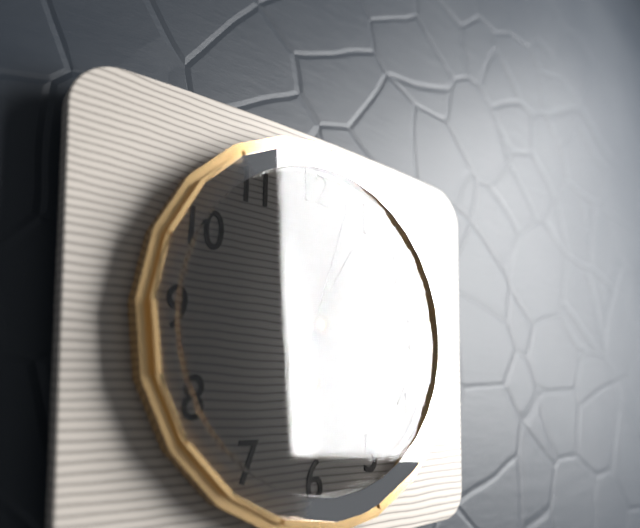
1:03
